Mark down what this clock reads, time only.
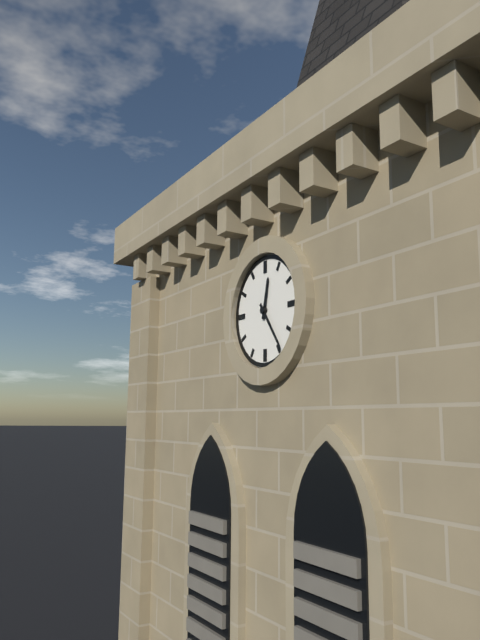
12:24
